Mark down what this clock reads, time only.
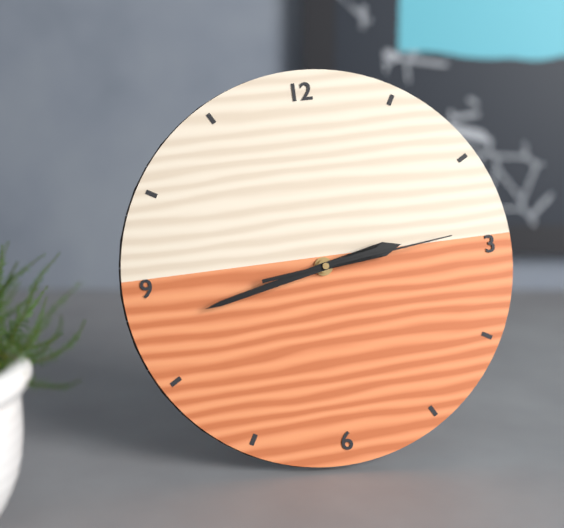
2:43:14
